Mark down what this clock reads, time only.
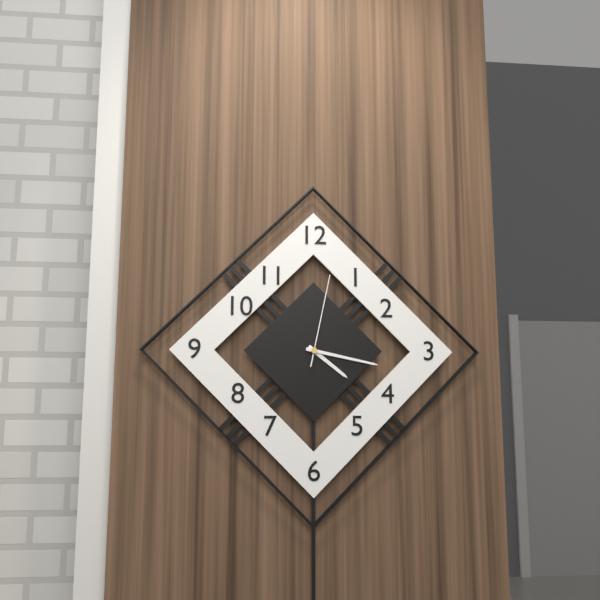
4:17:02
